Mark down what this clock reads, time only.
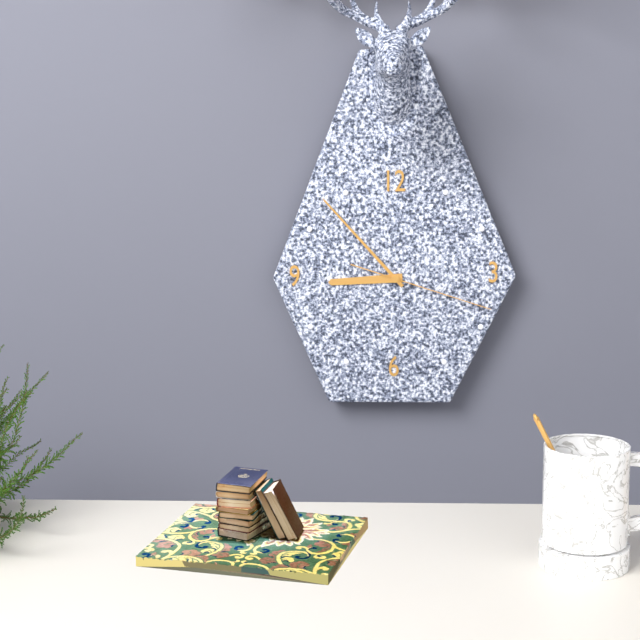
8:53:18
